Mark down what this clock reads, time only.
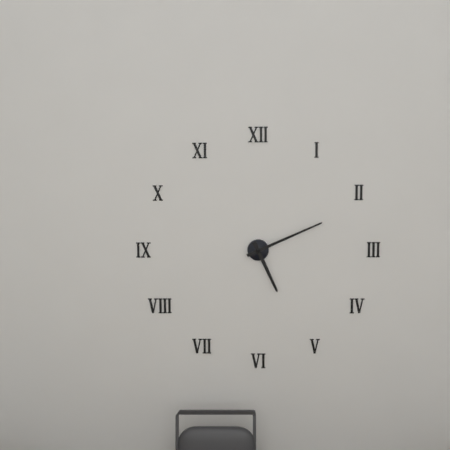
5:11
